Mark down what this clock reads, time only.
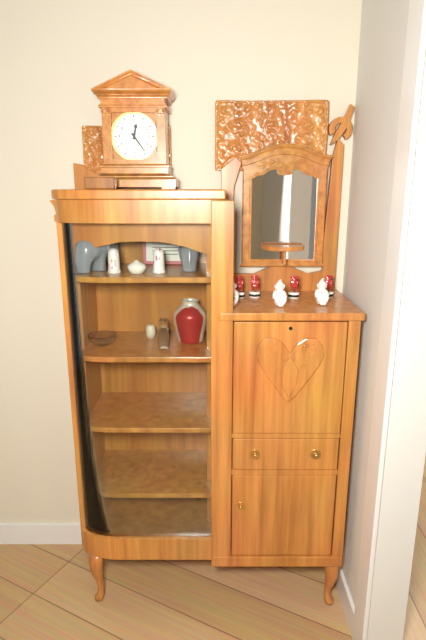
12:24
